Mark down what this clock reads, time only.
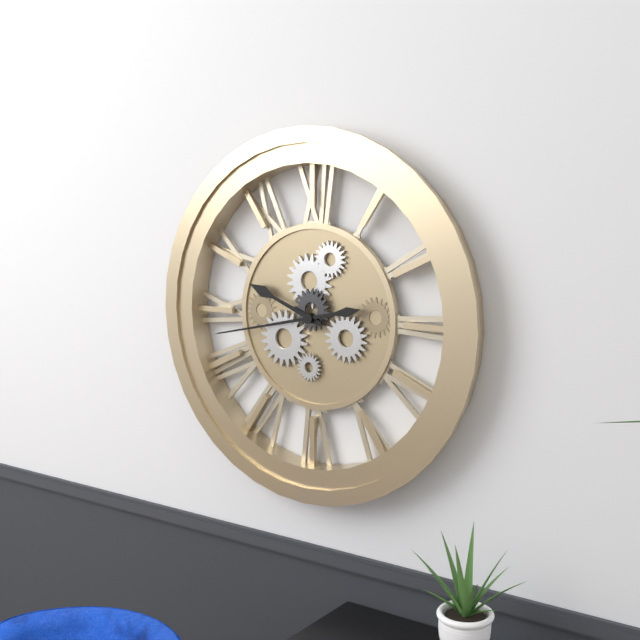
9:43
